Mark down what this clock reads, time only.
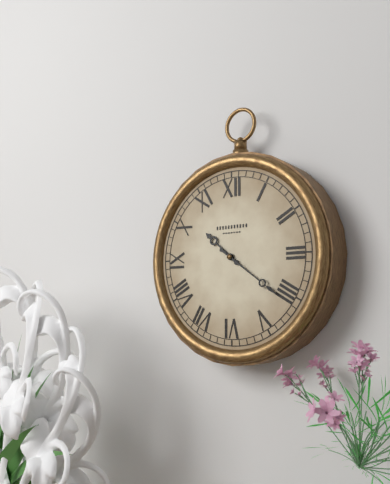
10:21
